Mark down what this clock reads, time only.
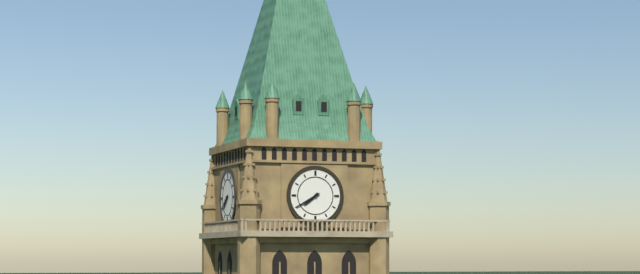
7:40
